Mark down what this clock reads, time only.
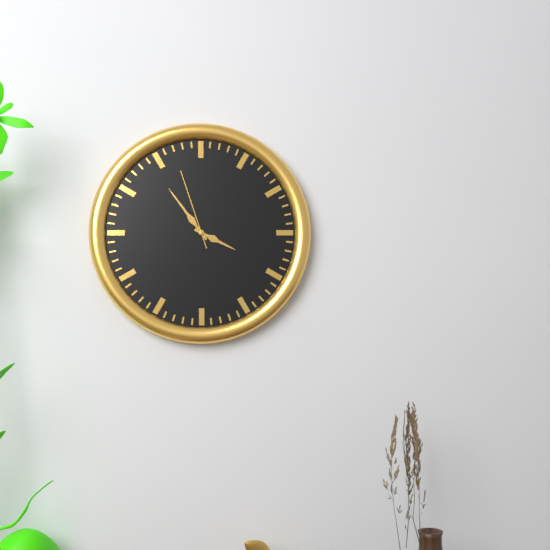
3:54:57
